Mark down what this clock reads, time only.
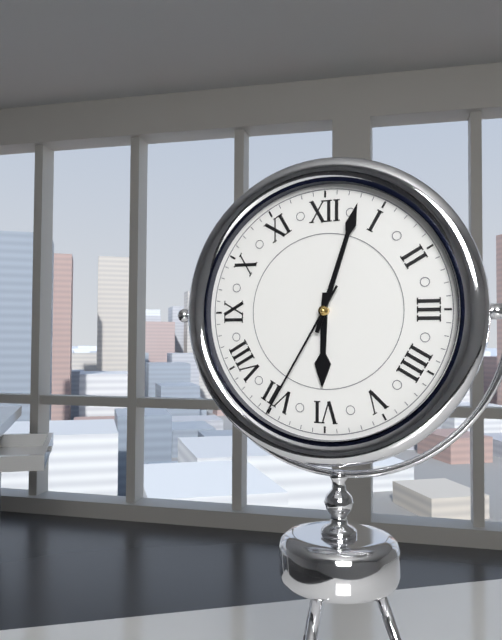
6:03:35
